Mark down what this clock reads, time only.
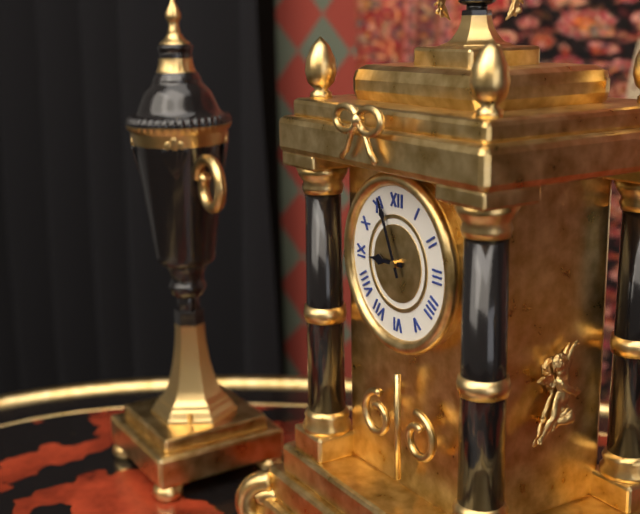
8:56
